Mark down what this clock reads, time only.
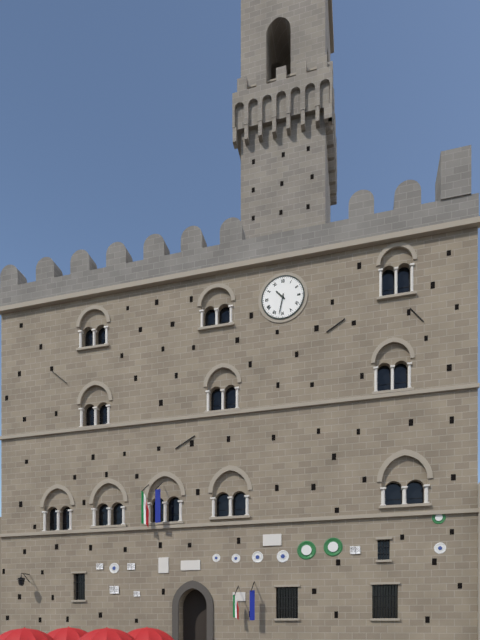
10:32
